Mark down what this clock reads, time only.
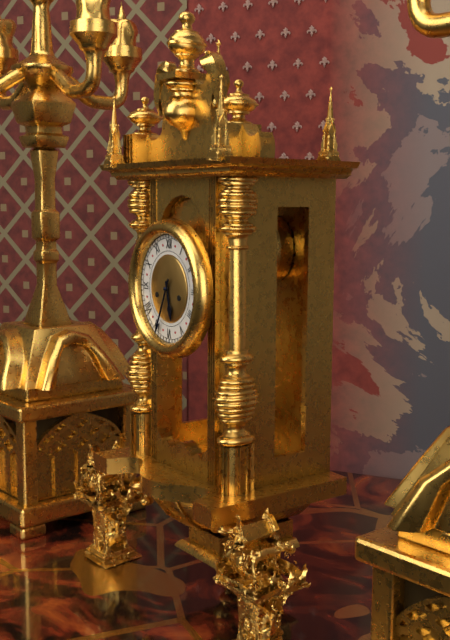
5:34
